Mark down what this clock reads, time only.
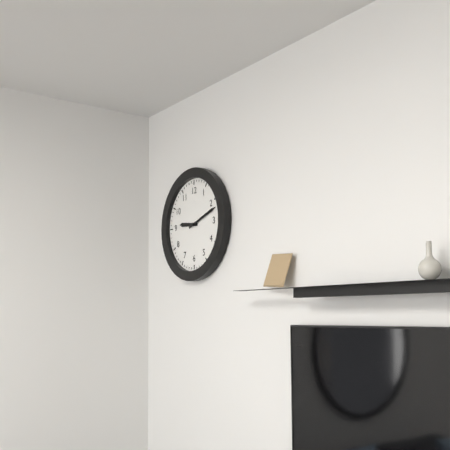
9:12
